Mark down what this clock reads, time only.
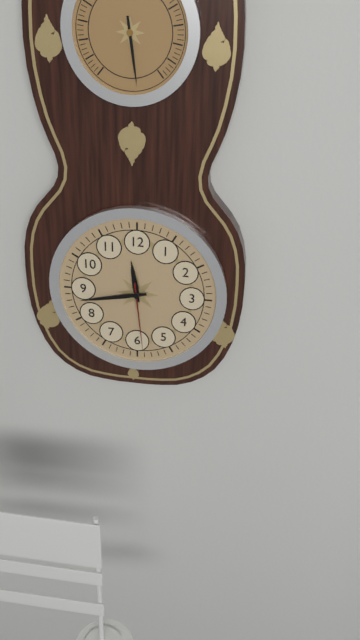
11:43:29
